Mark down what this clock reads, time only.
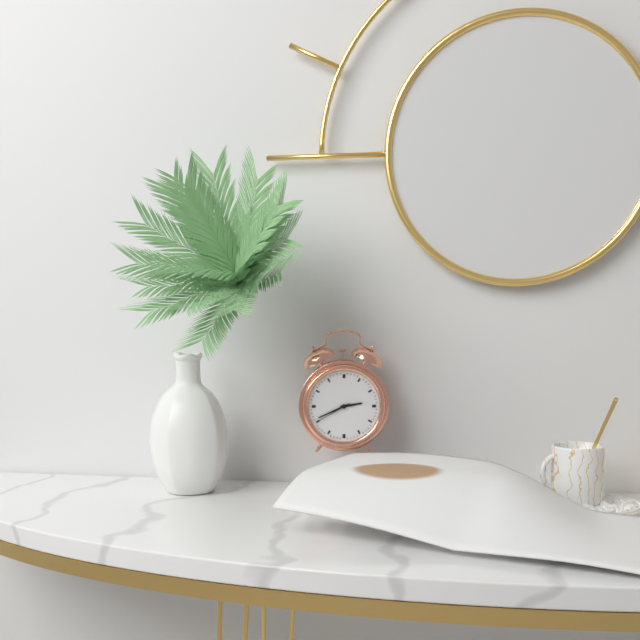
2:41
